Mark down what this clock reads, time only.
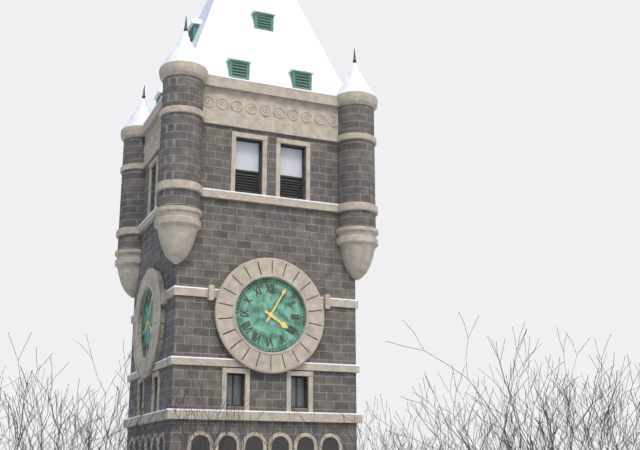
4:05
